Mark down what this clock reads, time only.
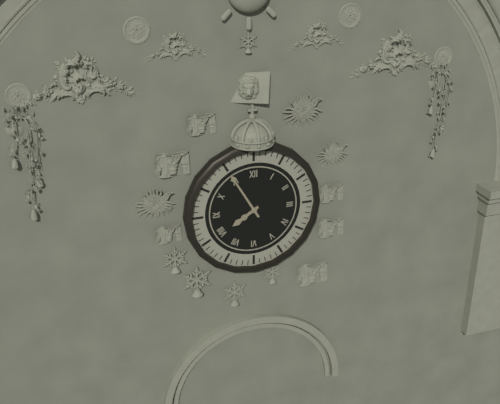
7:55
